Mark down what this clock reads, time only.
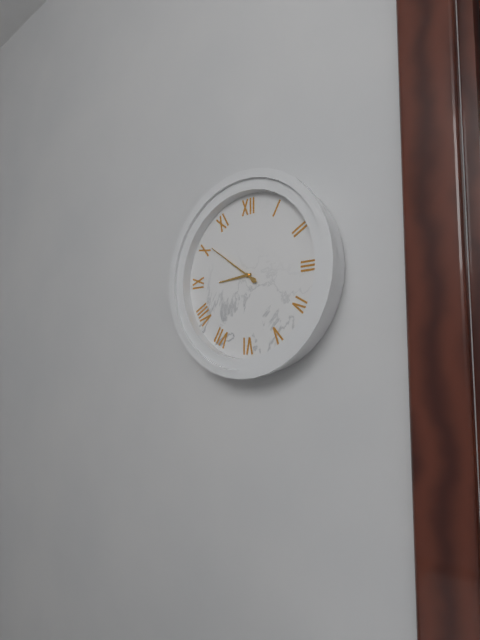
8:51
